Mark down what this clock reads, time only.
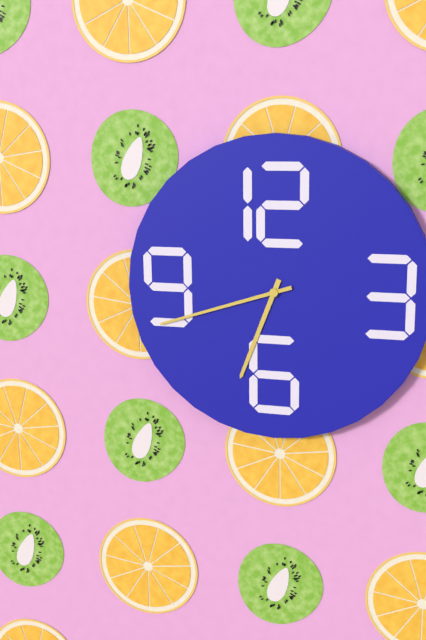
6:42
